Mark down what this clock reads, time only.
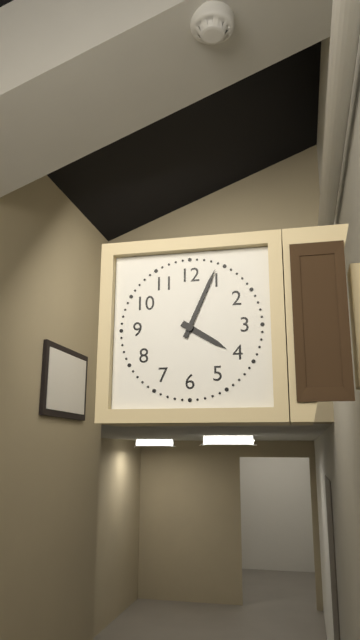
4:04
